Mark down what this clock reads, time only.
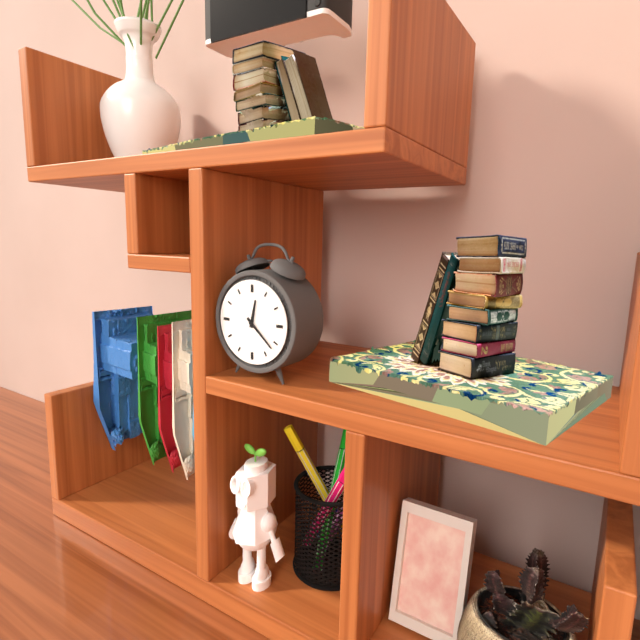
12:22
